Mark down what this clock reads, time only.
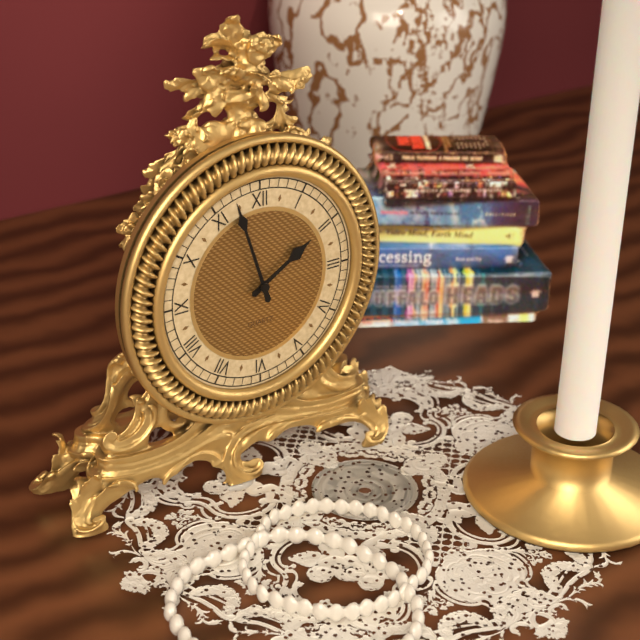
1:57
